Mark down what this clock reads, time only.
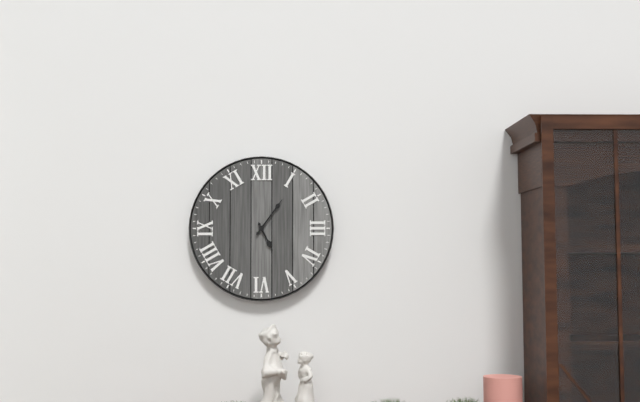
5:06
